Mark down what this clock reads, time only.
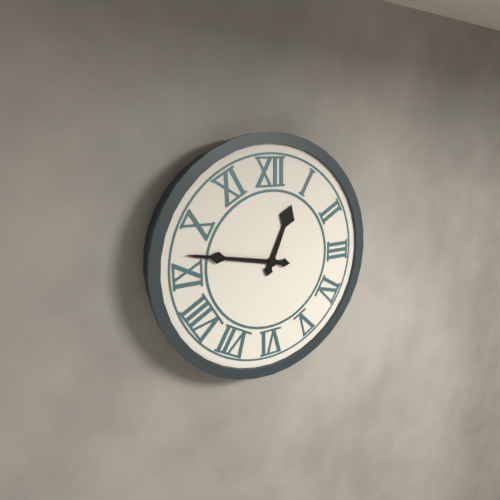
12:47
